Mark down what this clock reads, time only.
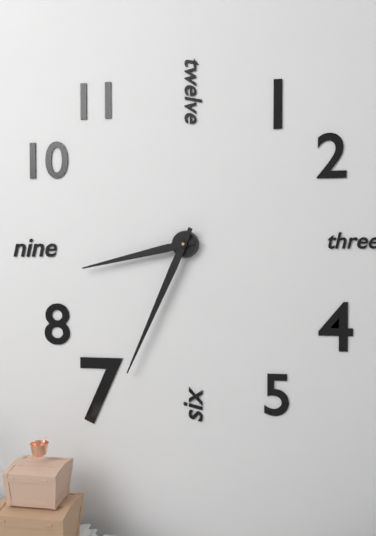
8:34
